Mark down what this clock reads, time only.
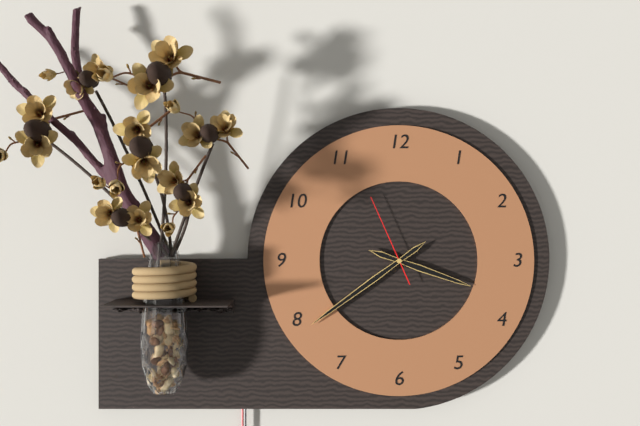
3:39:56
